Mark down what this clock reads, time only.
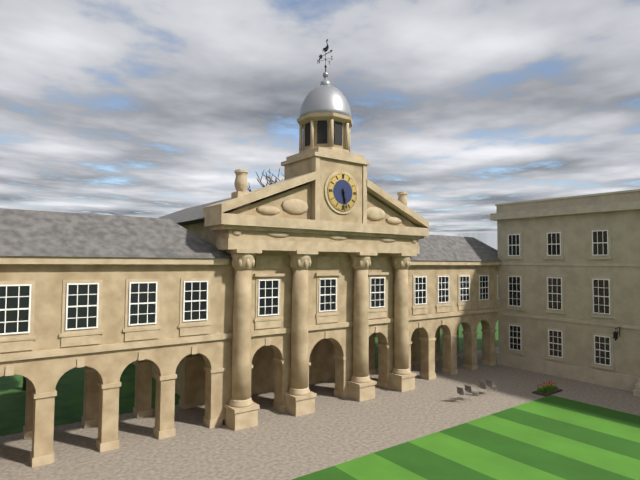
5:28
